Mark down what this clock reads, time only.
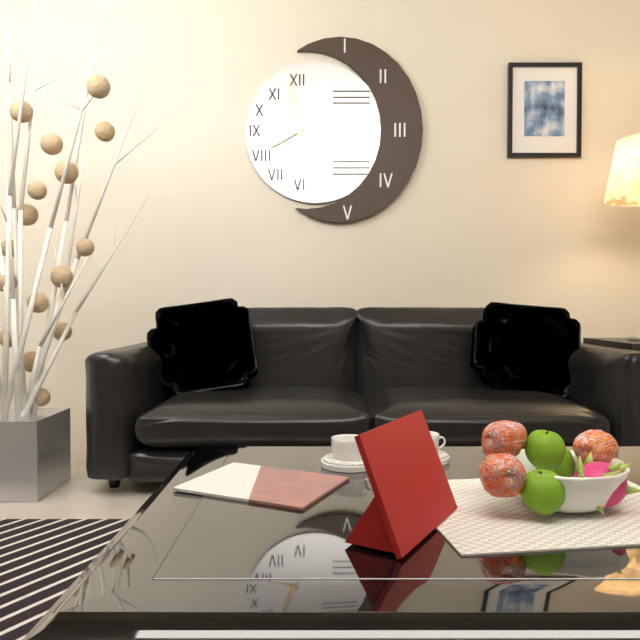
7:58:59
